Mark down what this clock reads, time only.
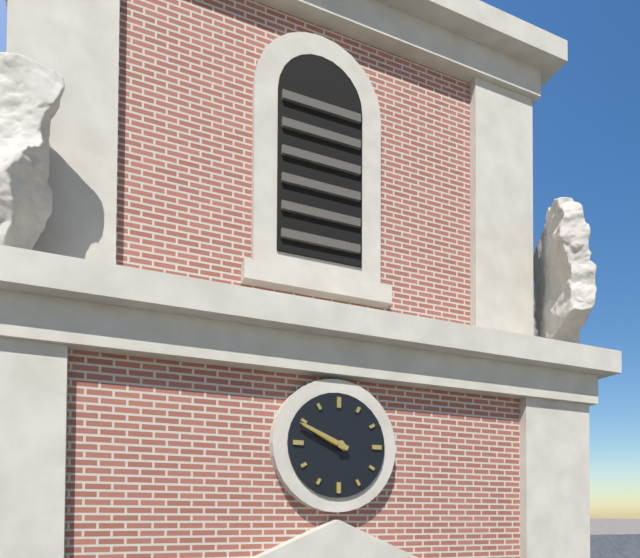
9:49
